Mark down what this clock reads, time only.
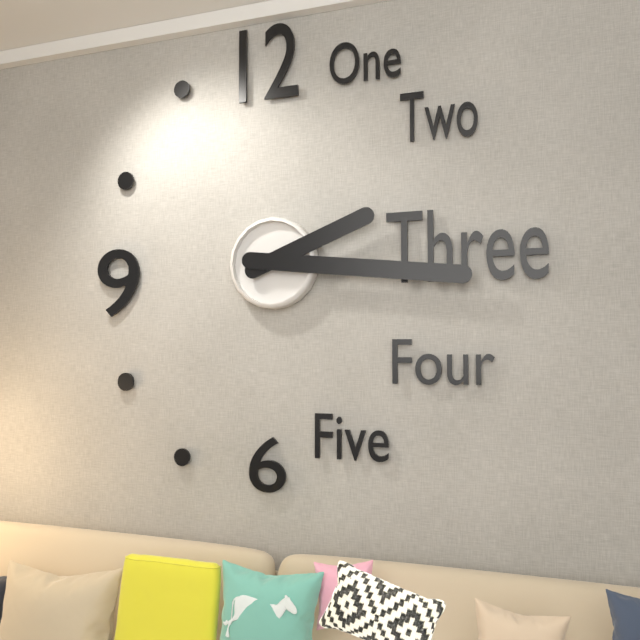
2:16
